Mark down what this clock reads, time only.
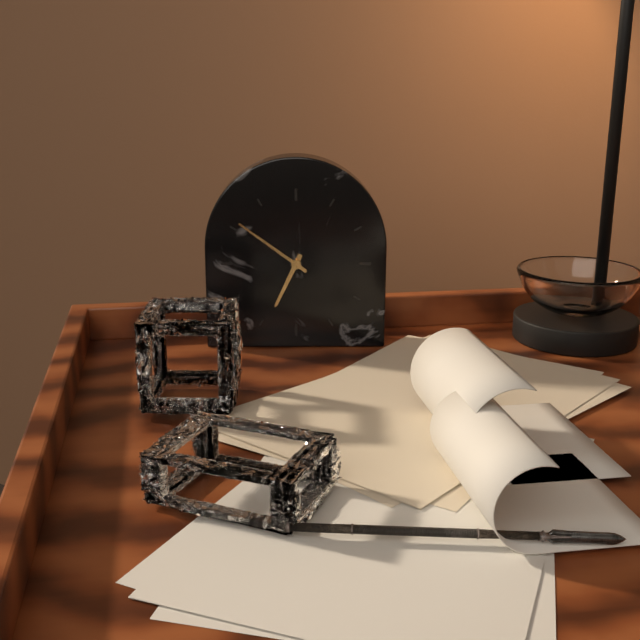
6:51
